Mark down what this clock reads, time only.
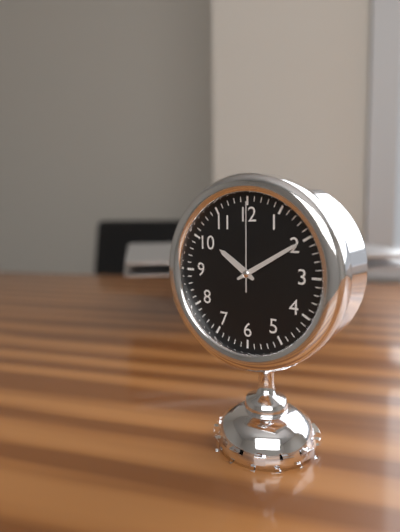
10:10:00
